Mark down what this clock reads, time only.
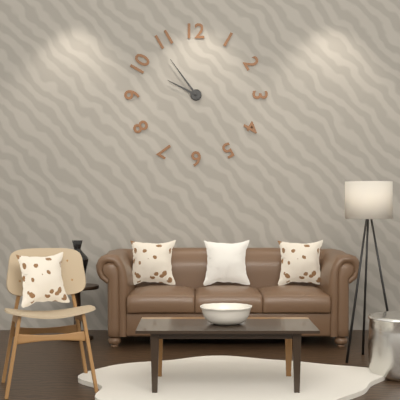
9:54
